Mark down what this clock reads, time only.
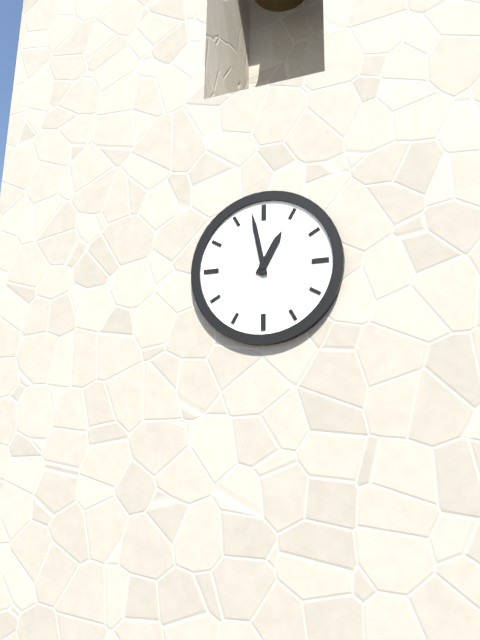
12:58
